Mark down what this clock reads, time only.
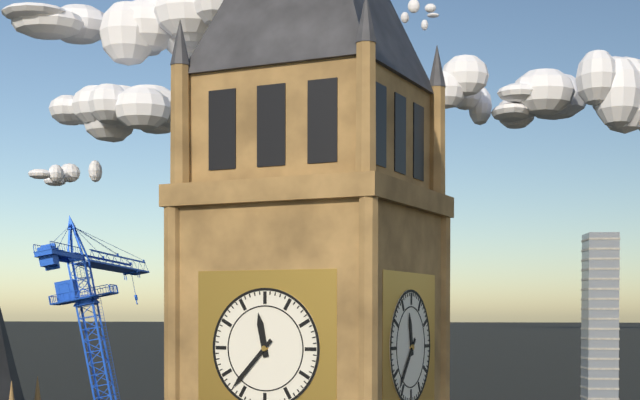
11:37
